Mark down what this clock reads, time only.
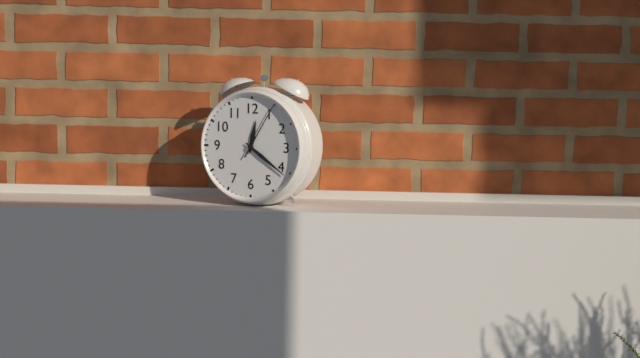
12:21:05
